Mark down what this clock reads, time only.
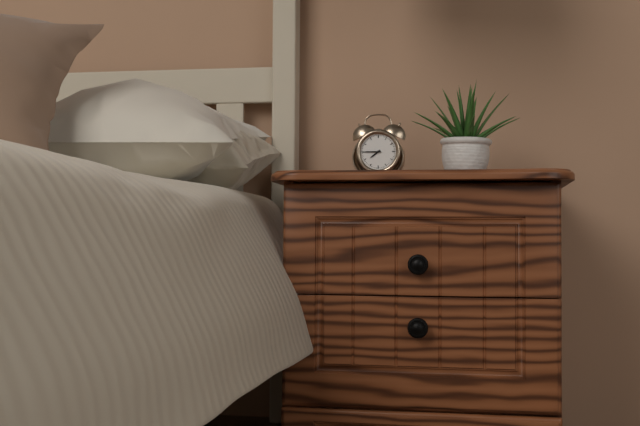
7:45
